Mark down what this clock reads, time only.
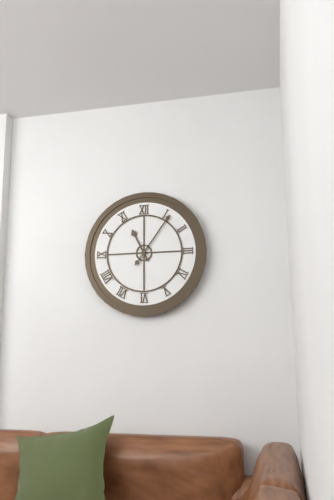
11:06
